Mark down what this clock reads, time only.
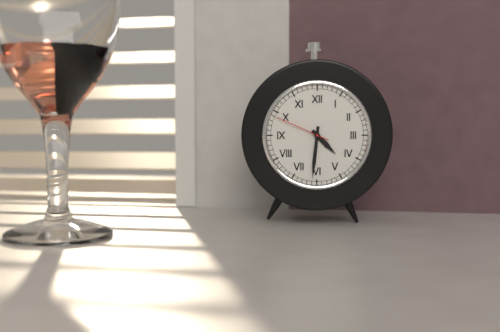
4:31:49
